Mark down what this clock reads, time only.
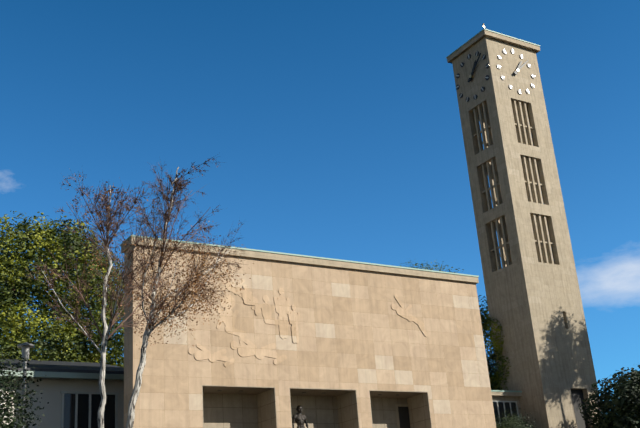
1:08
